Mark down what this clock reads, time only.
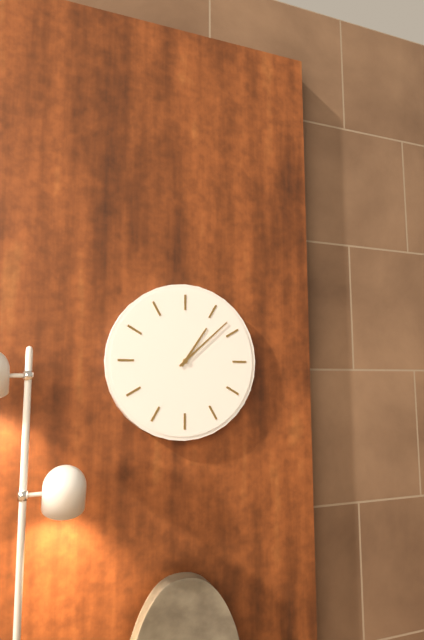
1:08
